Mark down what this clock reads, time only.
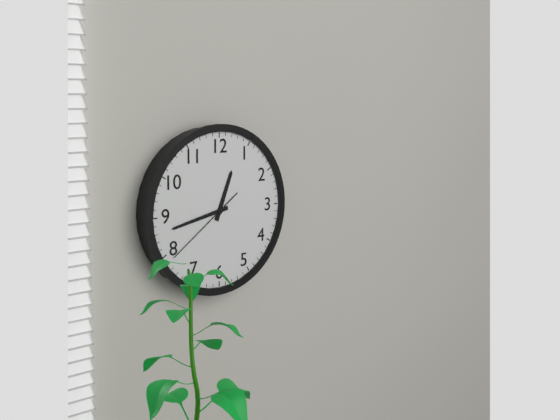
12:43:39
